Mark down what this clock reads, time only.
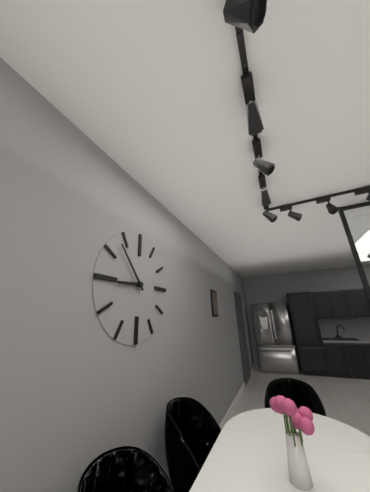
8:53
